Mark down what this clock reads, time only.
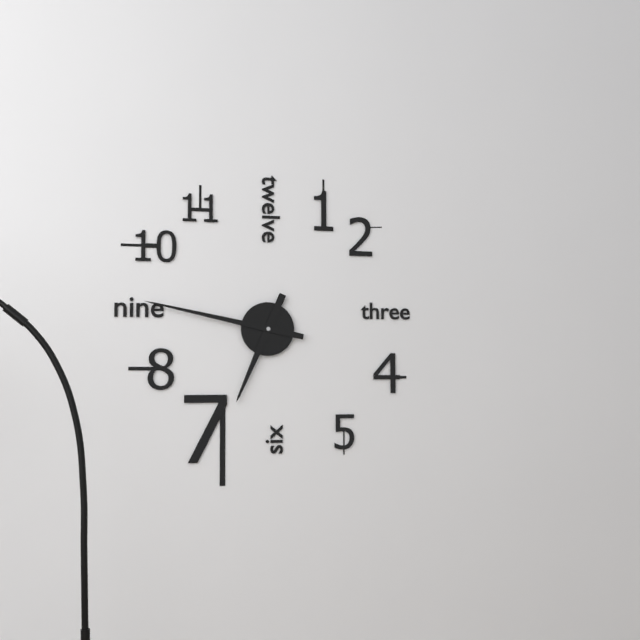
6:47
